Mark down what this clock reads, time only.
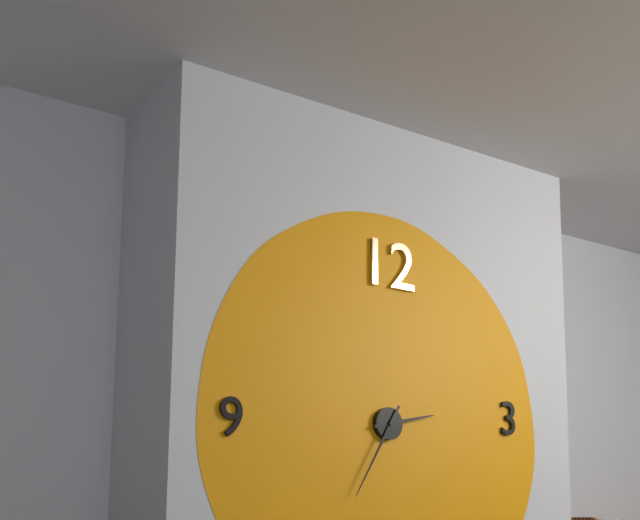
2:35
